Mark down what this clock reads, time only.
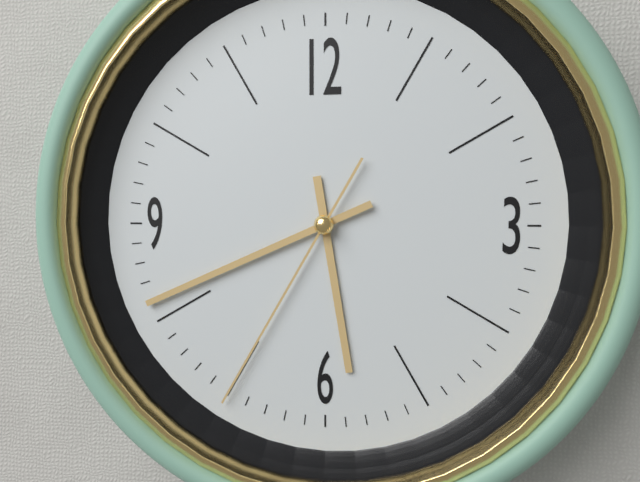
5:41:35
